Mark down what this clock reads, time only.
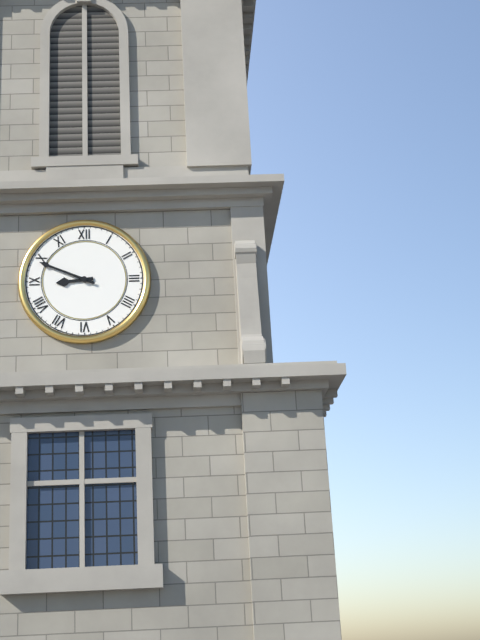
8:49
